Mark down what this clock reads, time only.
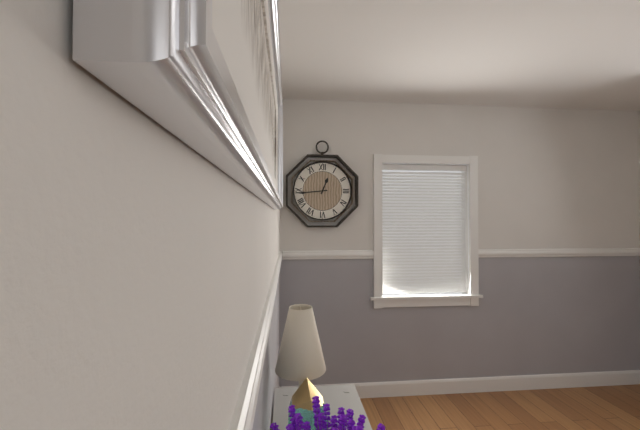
12:44
